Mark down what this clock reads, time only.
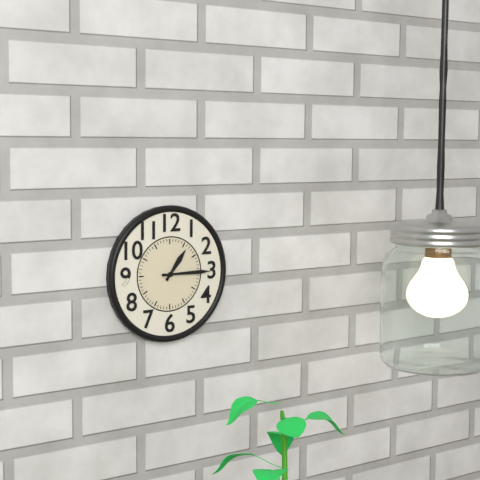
1:15
